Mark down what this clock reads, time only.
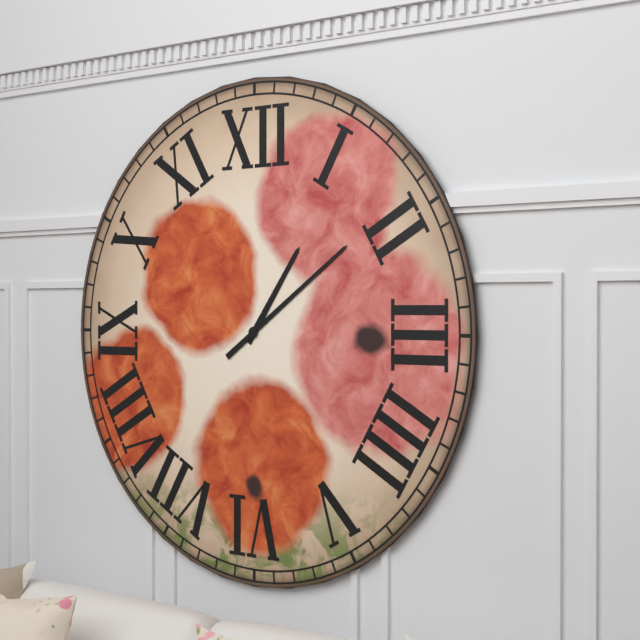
1:09
